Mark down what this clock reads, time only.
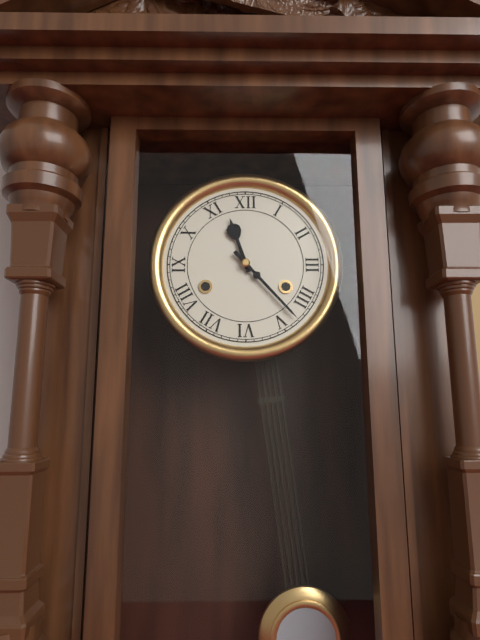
11:23
